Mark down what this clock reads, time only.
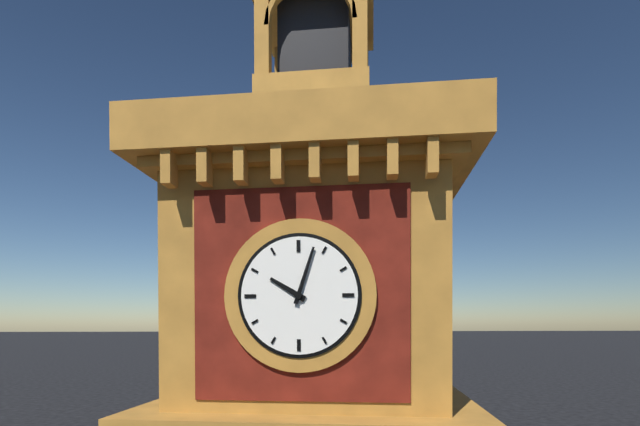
10:03
